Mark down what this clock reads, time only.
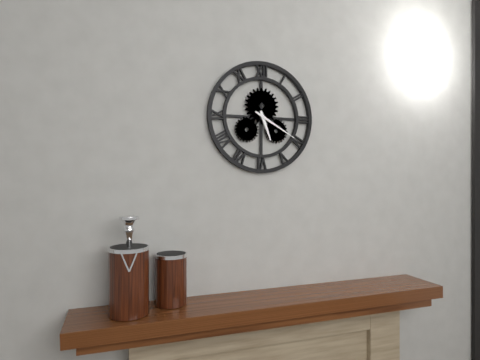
5:20
